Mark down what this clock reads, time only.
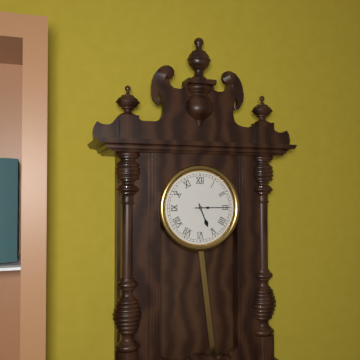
5:15
